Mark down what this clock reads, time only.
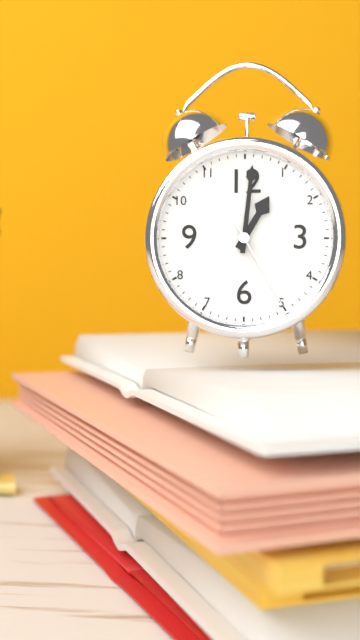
1:01:25
